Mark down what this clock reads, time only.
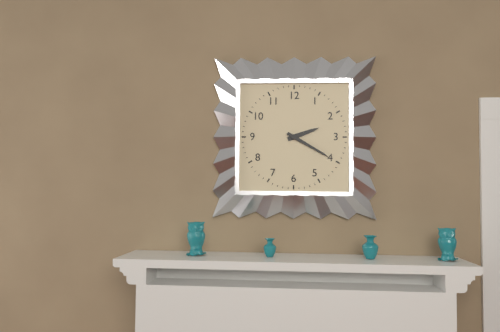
2:20
